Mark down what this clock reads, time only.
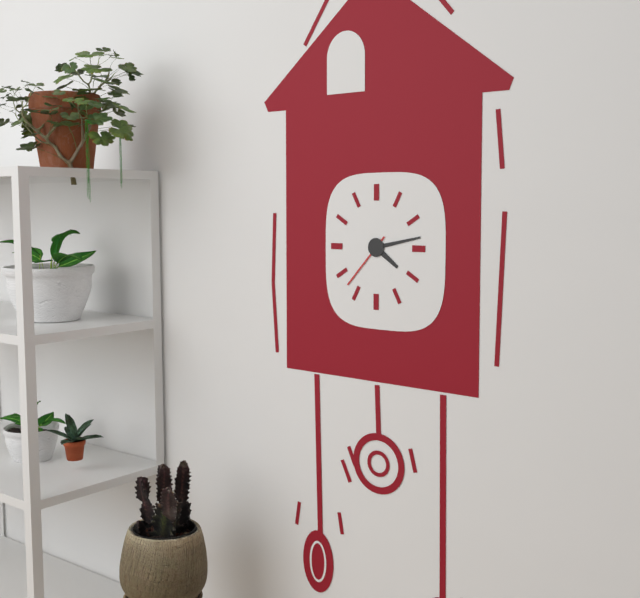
4:13:37
